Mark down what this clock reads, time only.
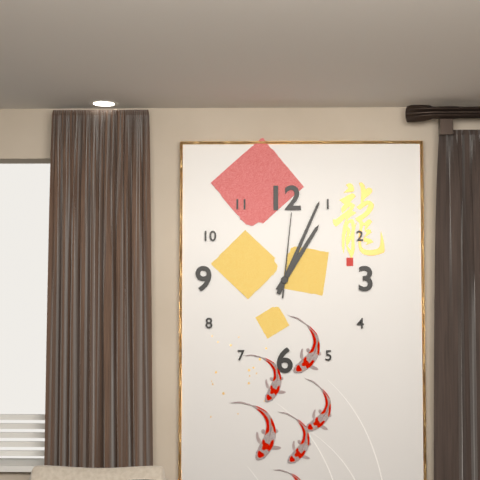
1:04:01
